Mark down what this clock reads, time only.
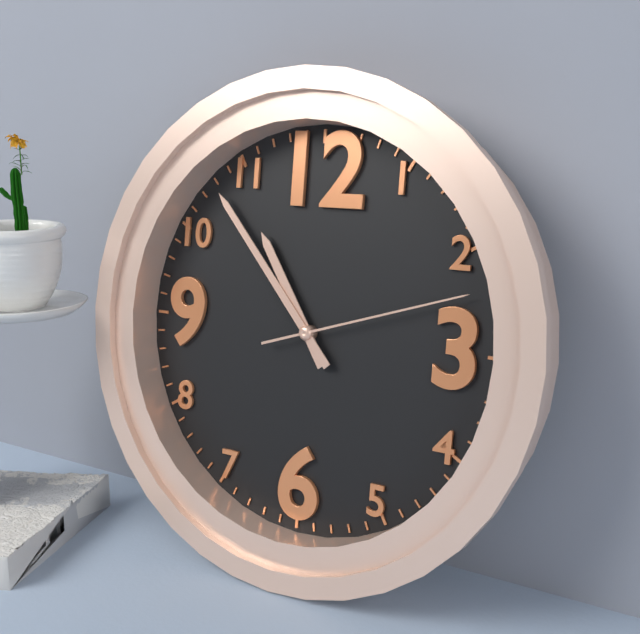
10:53:12
